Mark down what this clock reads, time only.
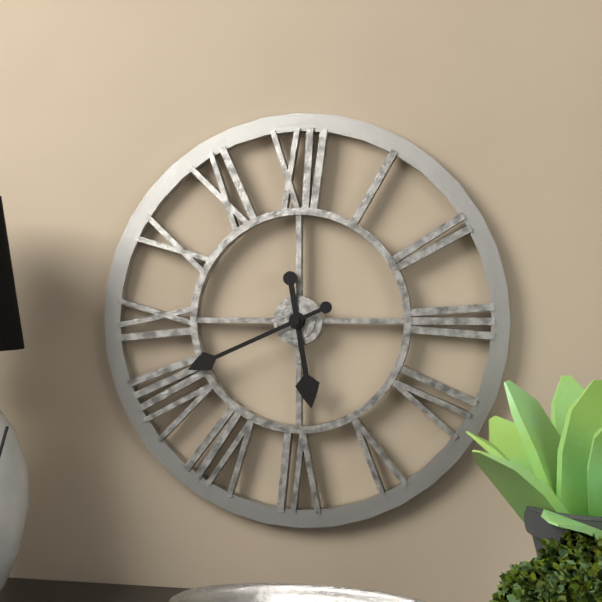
5:41
